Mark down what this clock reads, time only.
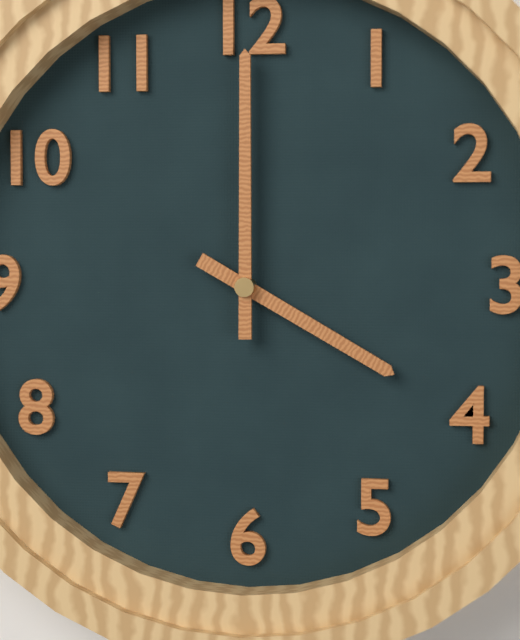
4:00
